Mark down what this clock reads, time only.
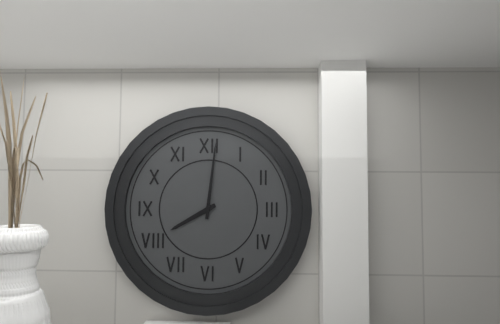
8:01
